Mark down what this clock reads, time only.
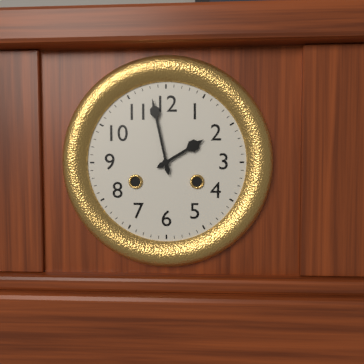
1:58
